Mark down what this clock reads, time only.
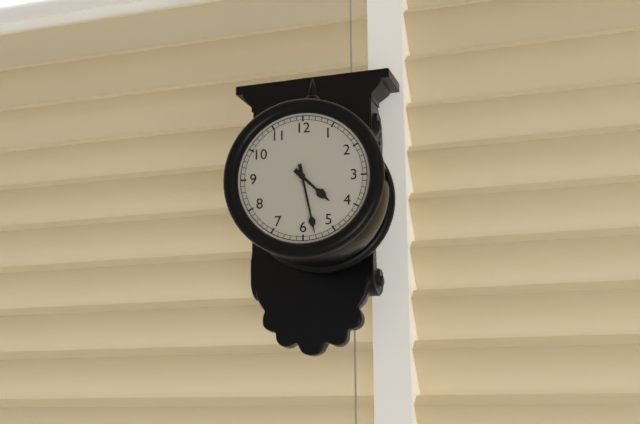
4:28
